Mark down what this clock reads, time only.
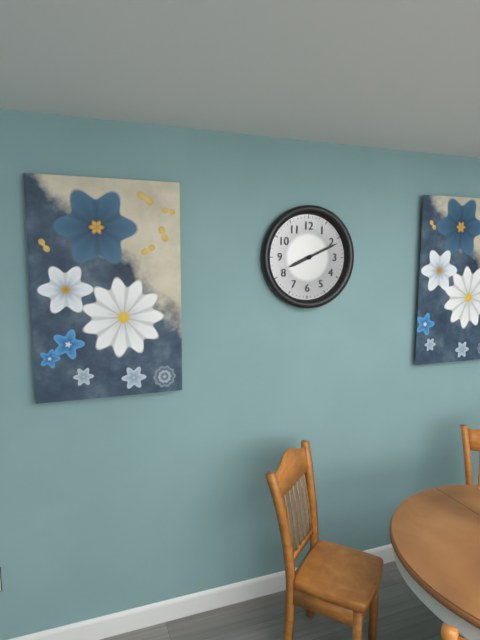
8:11
